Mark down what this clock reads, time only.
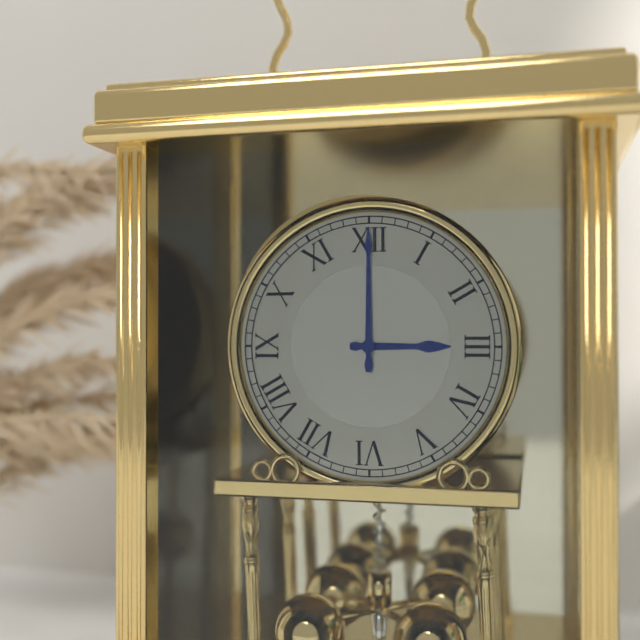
3:00
